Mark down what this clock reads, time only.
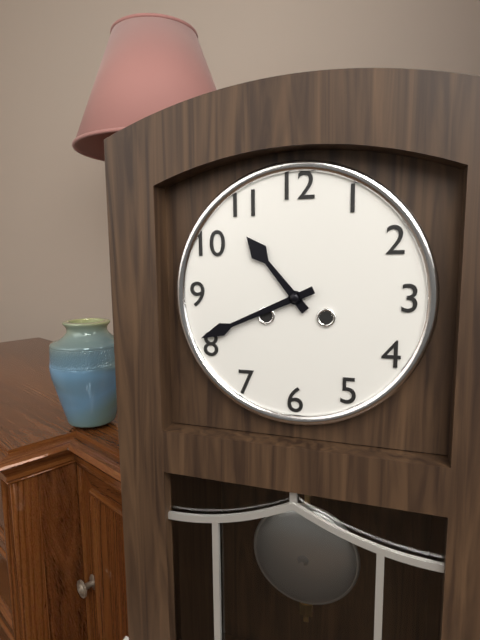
10:41
